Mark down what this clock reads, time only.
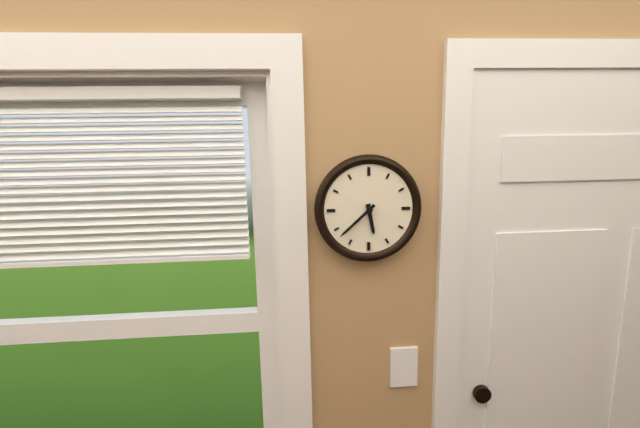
5:38
